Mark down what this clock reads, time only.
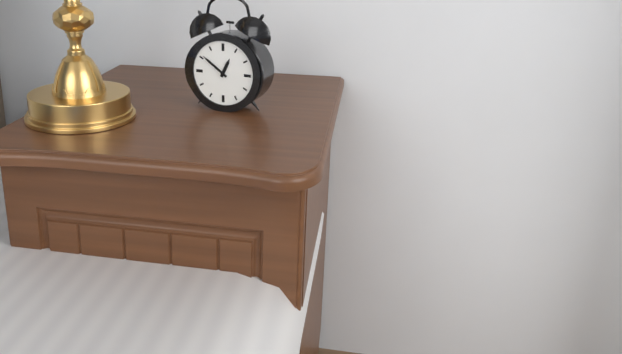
12:51
